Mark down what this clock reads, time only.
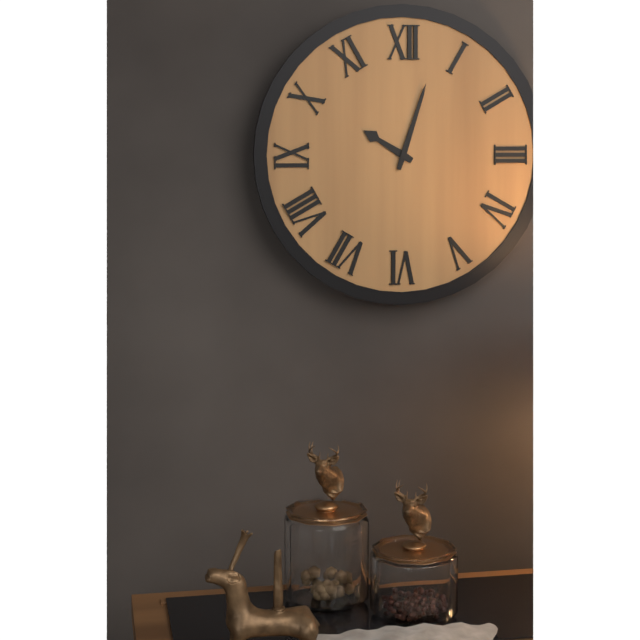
10:03
